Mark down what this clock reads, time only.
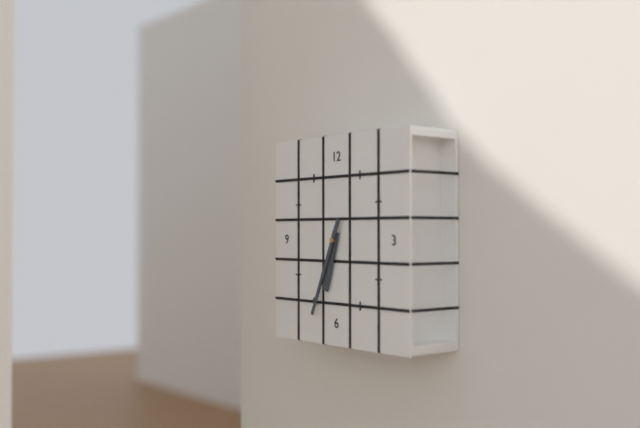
6:34
